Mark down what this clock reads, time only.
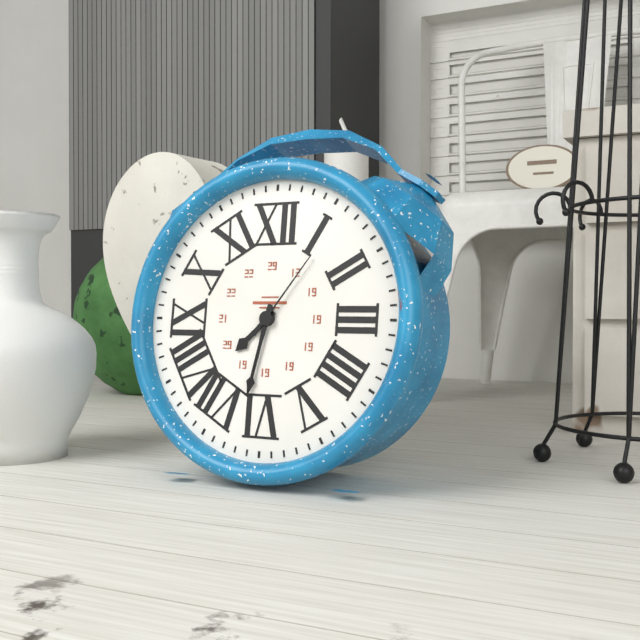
7:32:06
